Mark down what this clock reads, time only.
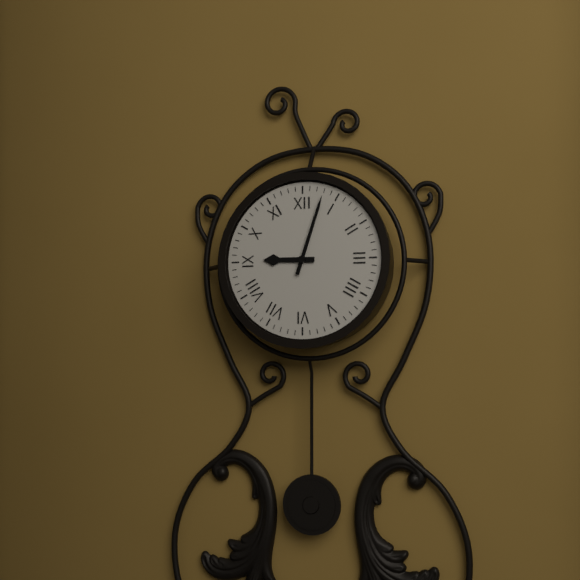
9:03
